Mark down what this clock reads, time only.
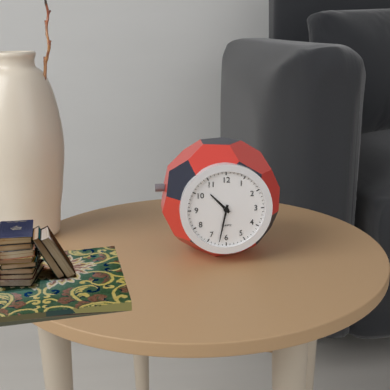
10:32
